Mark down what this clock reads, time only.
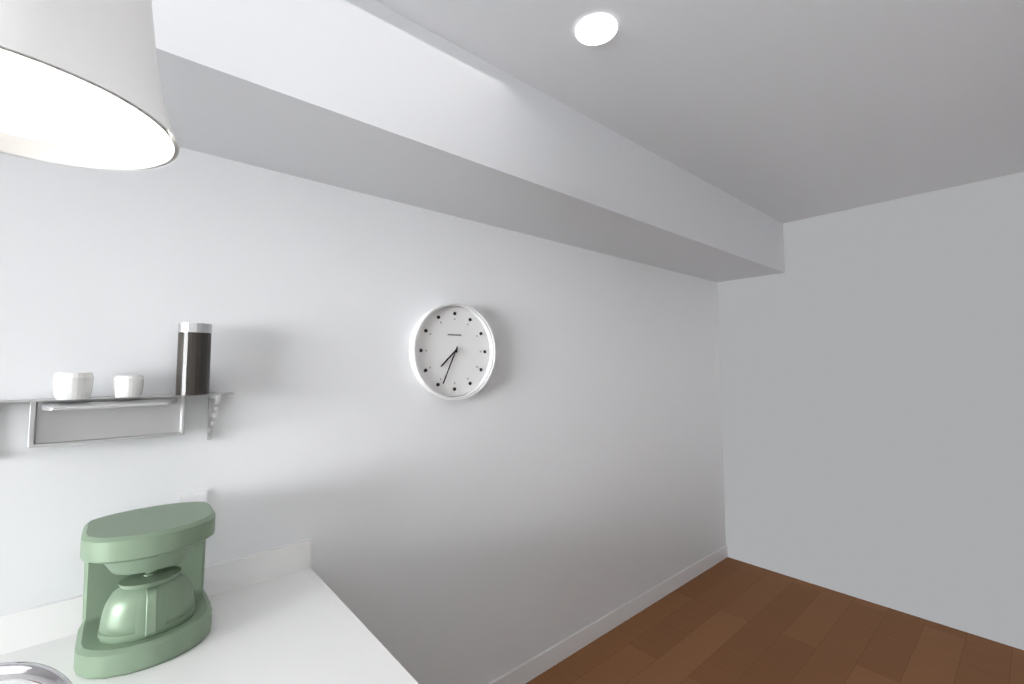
7:34
